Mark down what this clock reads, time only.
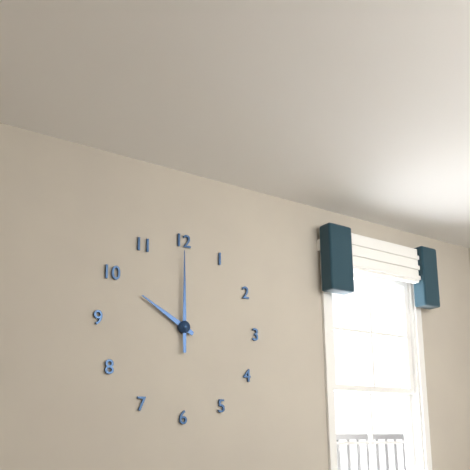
10:00
